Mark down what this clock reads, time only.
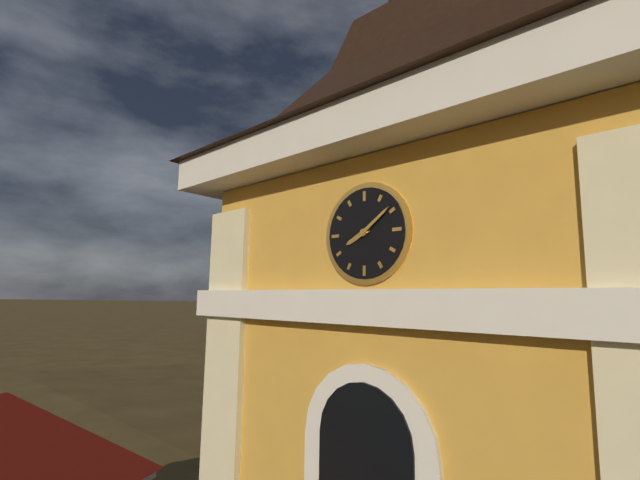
8:09
